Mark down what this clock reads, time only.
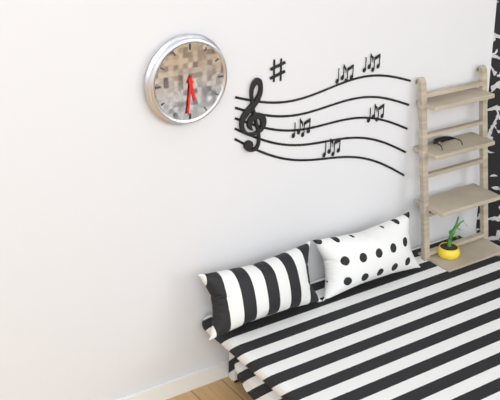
5:31
